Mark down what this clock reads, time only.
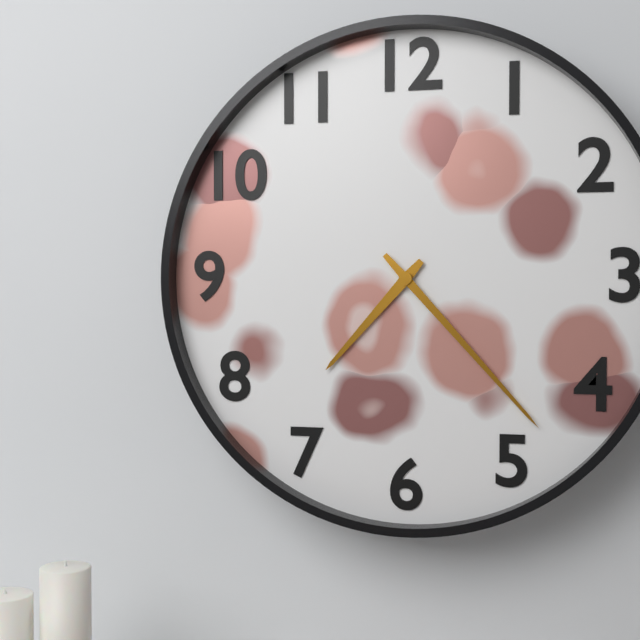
7:23
